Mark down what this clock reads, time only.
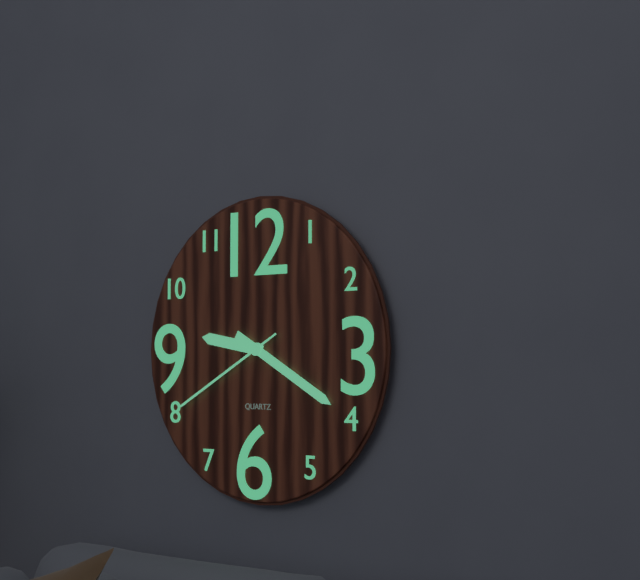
9:20:40
